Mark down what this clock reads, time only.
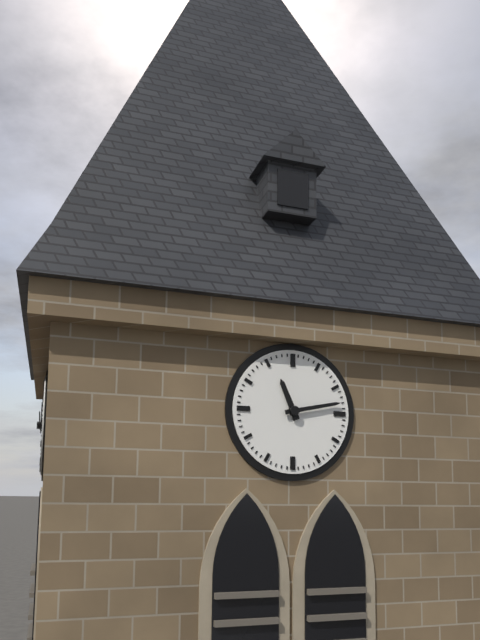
11:13
